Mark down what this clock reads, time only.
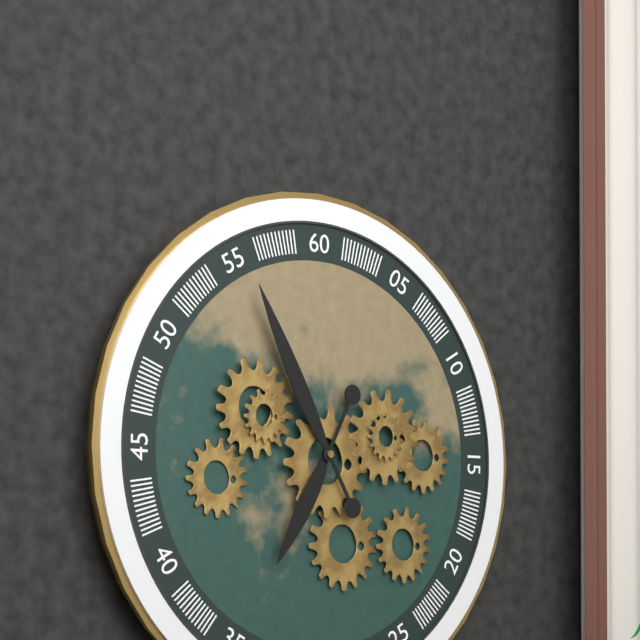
6:55
